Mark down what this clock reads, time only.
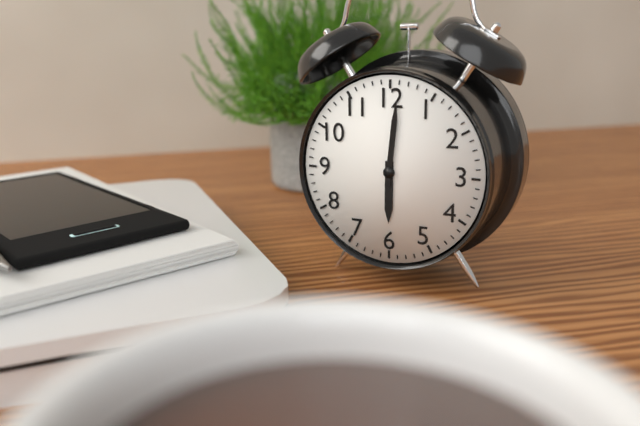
6:01
